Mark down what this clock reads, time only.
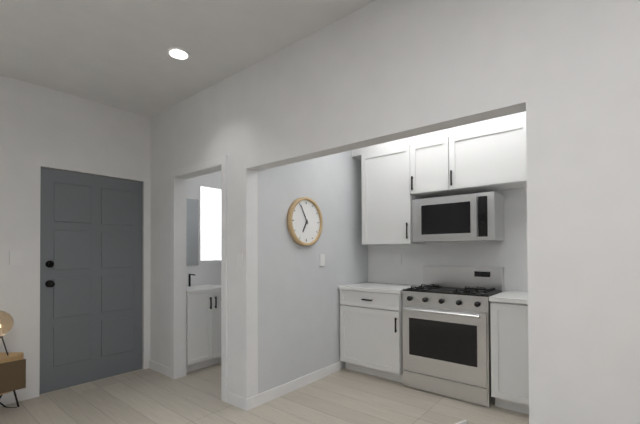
6:55
